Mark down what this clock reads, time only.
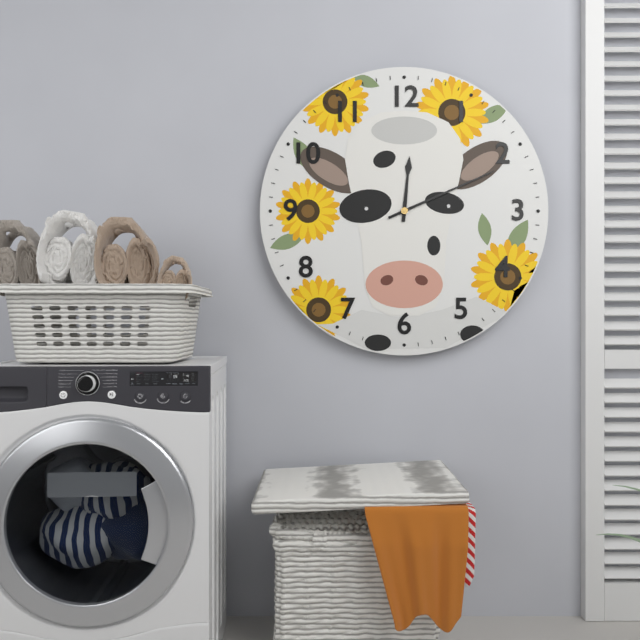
12:11
